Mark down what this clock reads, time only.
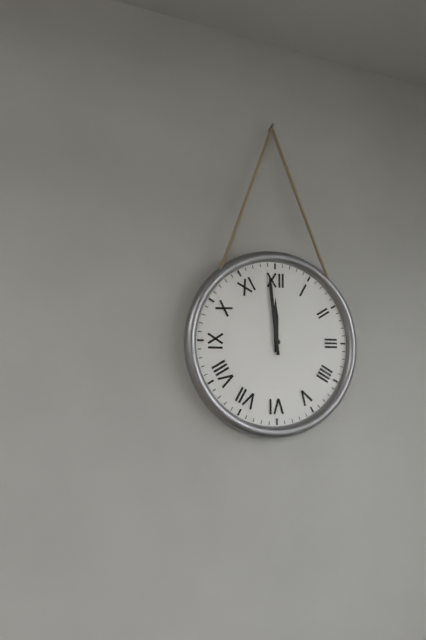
11:59
